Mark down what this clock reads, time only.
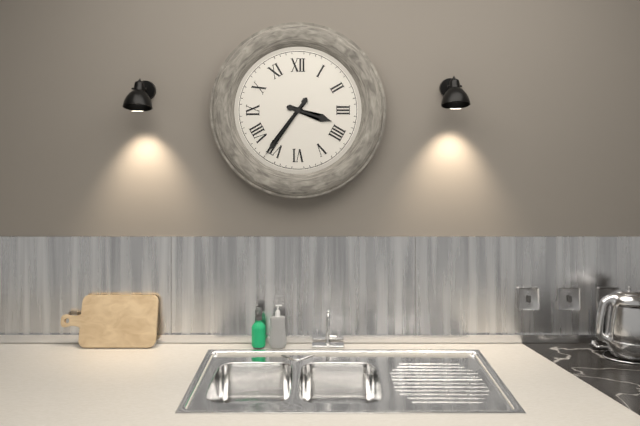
3:36
